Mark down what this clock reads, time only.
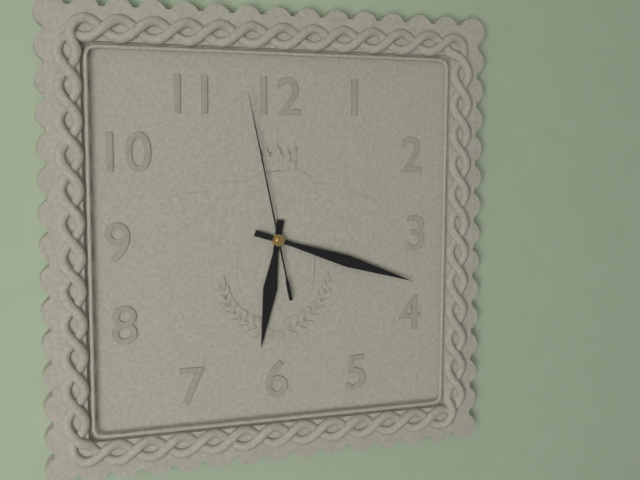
6:18:58
